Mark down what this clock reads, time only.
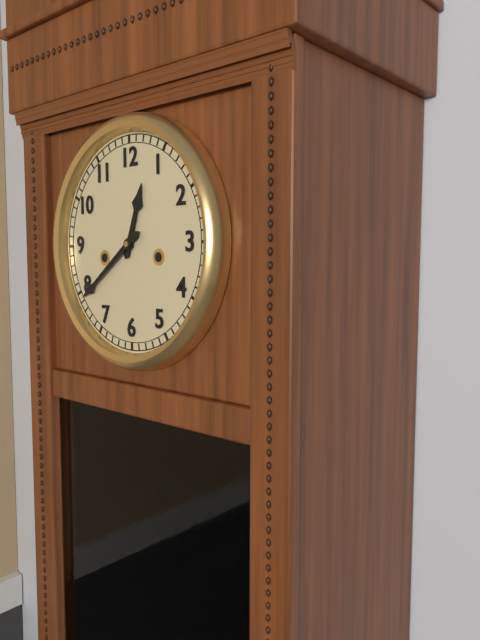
12:39
